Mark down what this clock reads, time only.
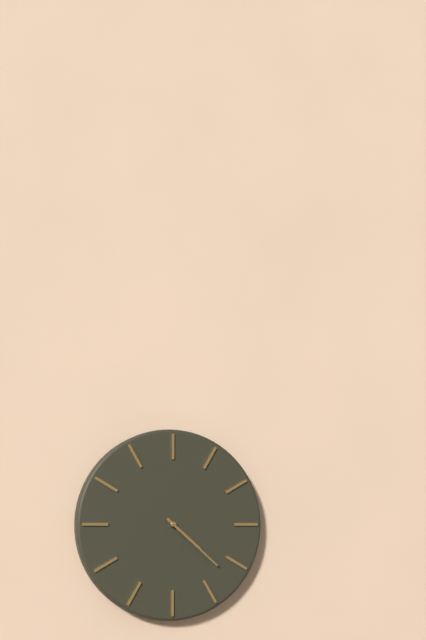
4:22
